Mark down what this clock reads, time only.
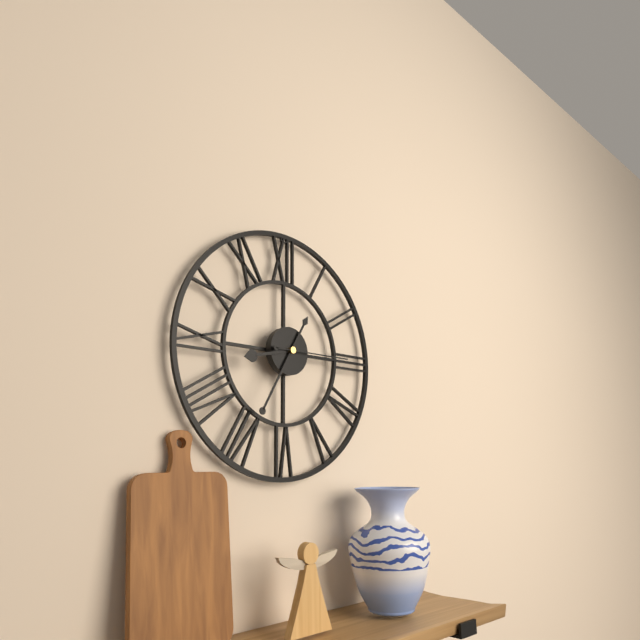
8:35:15
